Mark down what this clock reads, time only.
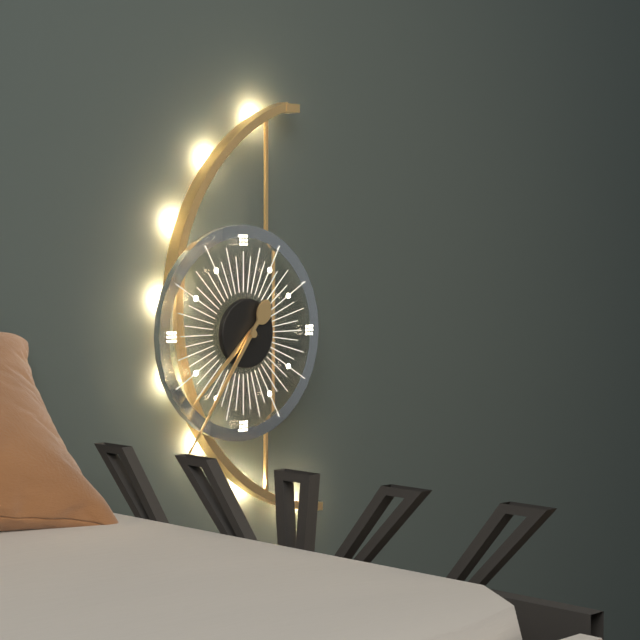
7:36
